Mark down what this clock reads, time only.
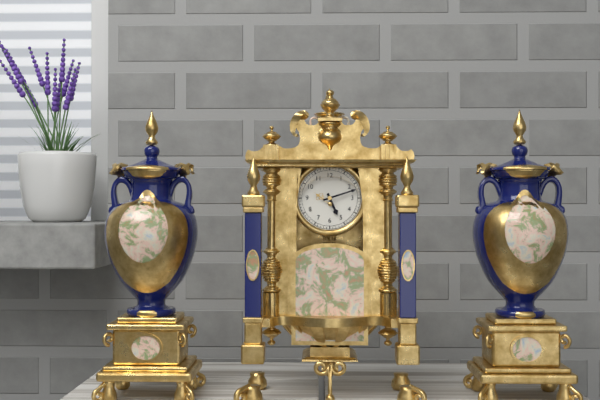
5:12
